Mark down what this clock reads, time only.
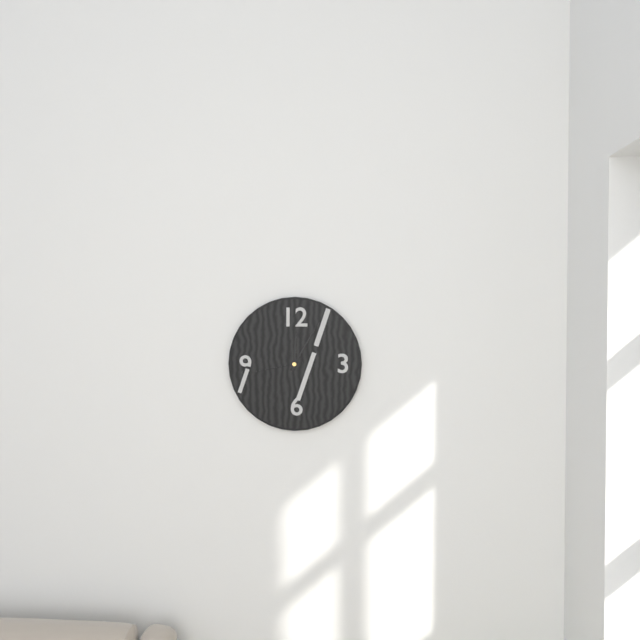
12:05:43
